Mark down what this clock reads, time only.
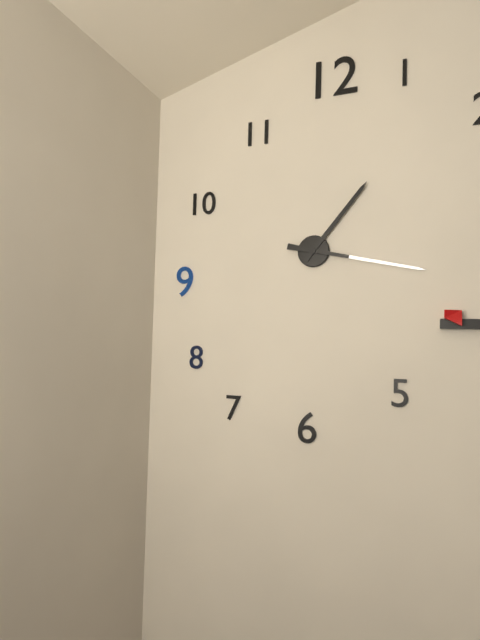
1:17
